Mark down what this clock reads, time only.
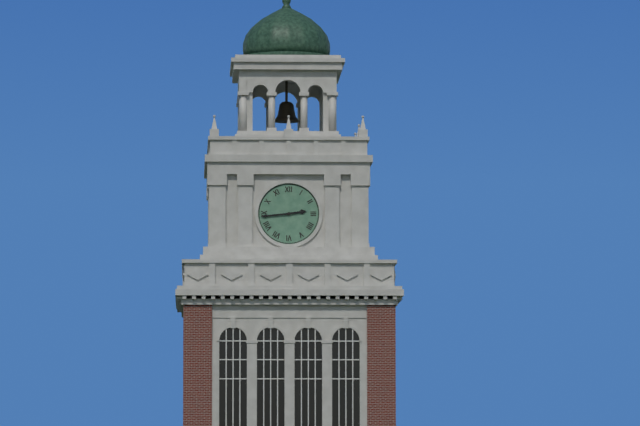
2:44
